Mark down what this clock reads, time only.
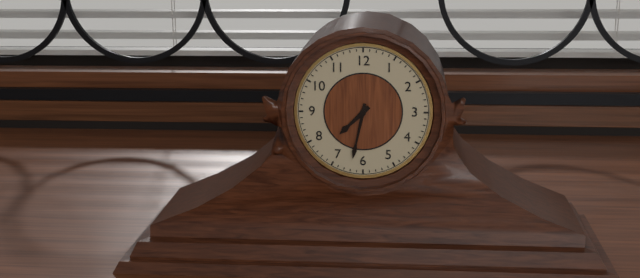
7:32
